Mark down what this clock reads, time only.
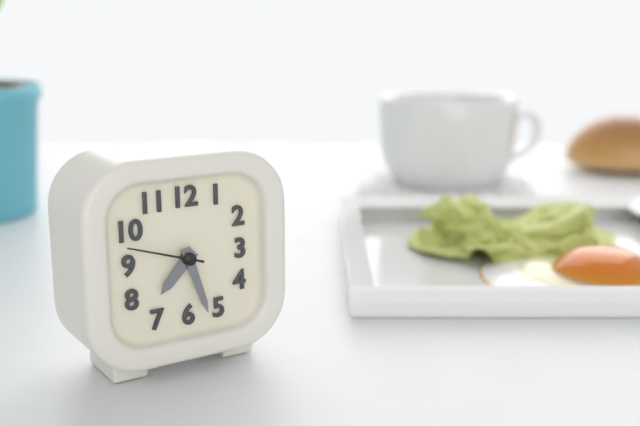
7:27:48
